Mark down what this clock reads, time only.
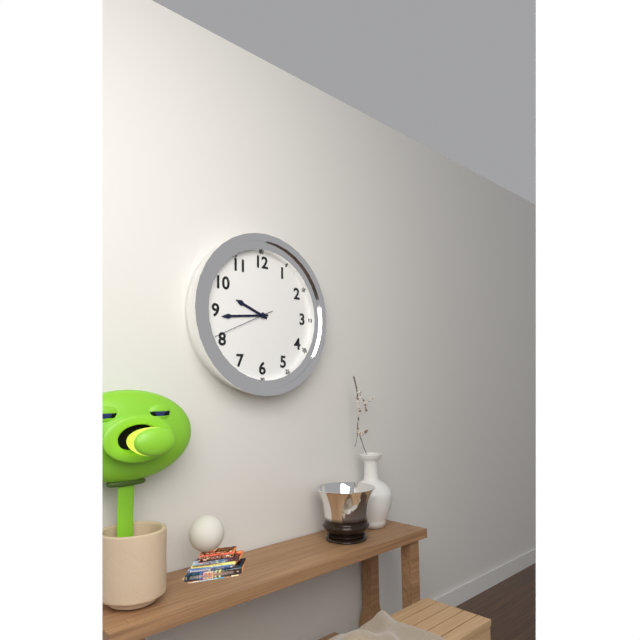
9:44:41
